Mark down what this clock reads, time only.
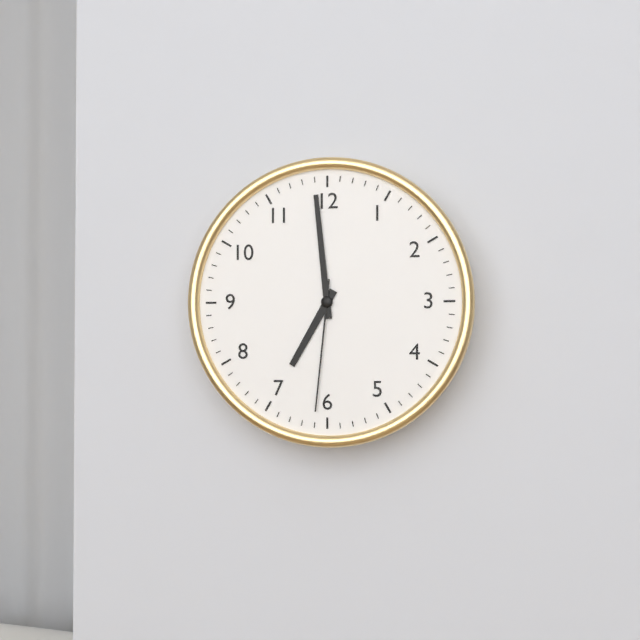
6:59:31
